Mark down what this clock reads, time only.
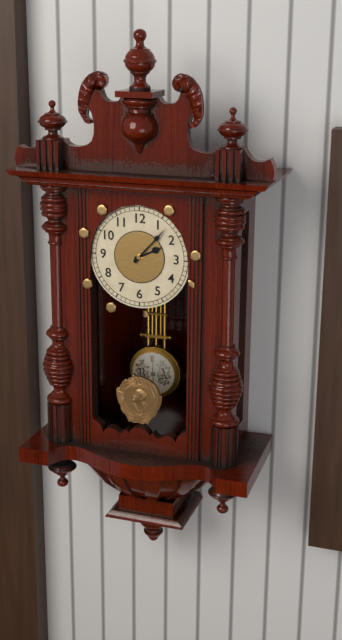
2:07
